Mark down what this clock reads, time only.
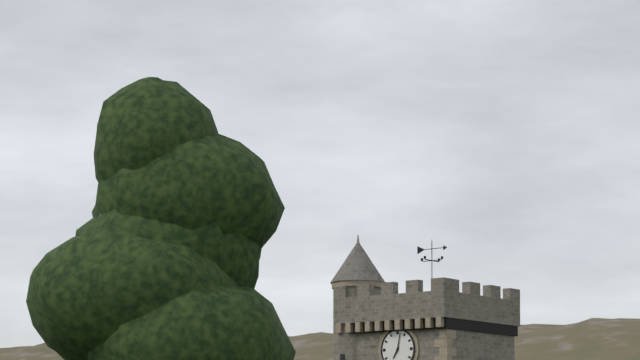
7:02
